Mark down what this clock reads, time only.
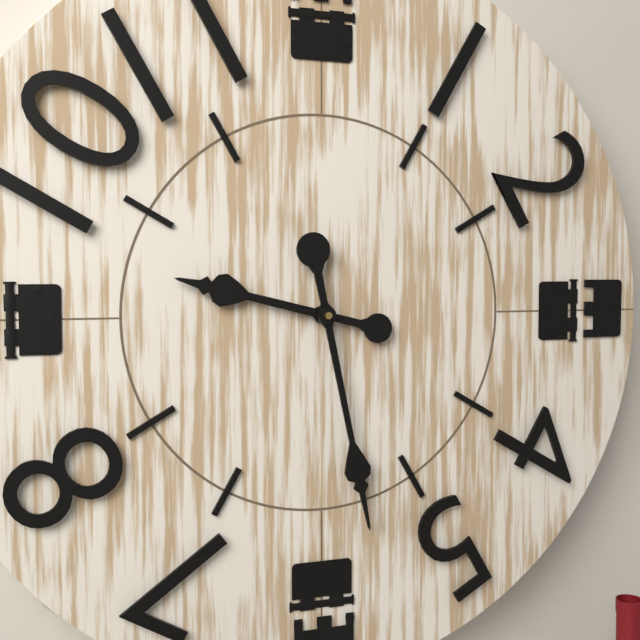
9:28
